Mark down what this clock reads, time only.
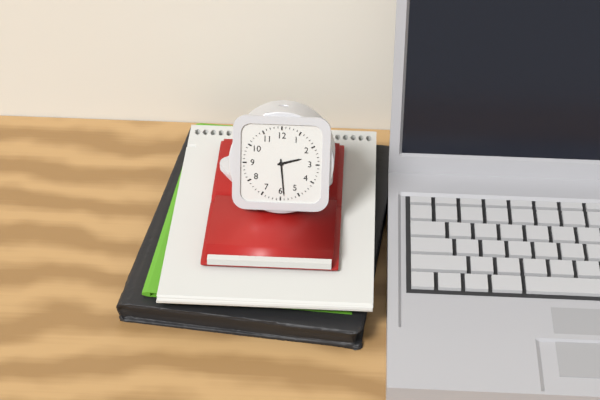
2:29
